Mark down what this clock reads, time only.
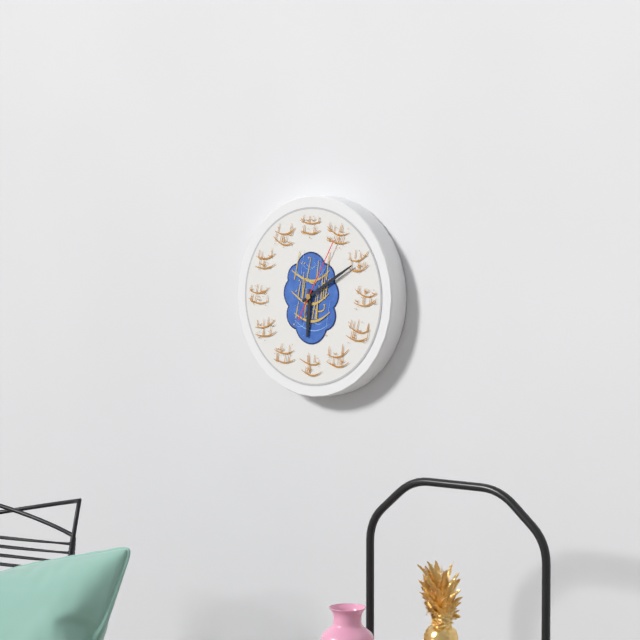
6:10:05
